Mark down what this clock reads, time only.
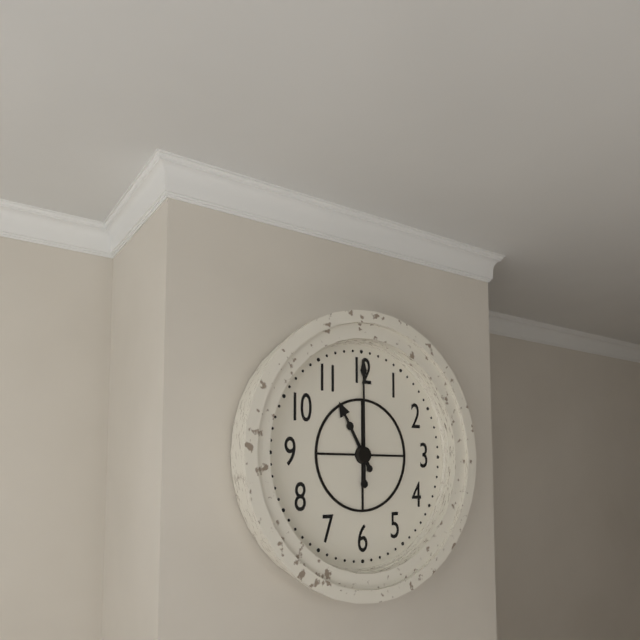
11:00
